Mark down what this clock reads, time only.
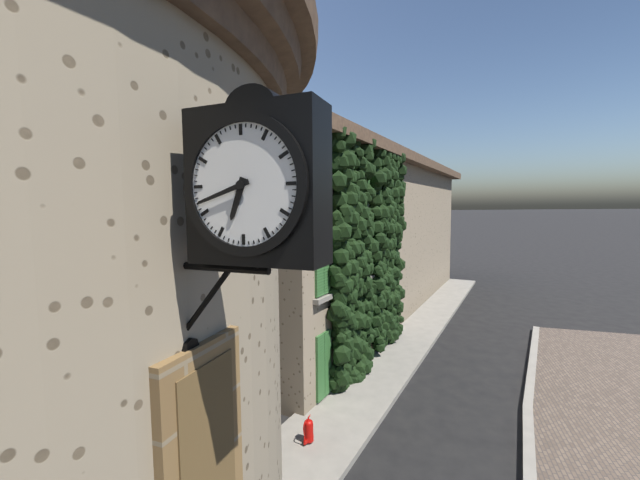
6:42
